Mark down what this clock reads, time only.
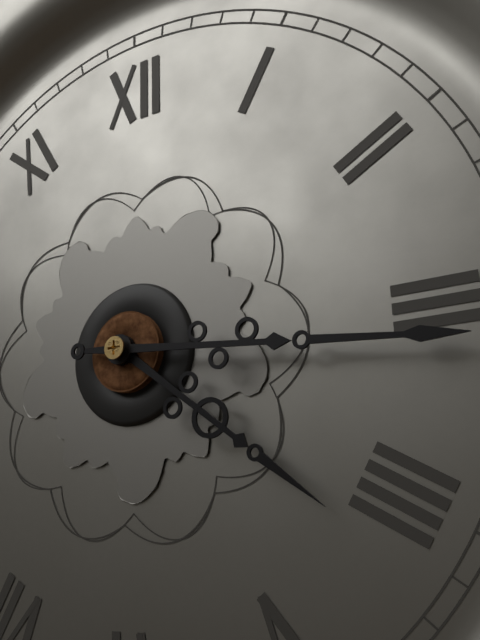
4:16
